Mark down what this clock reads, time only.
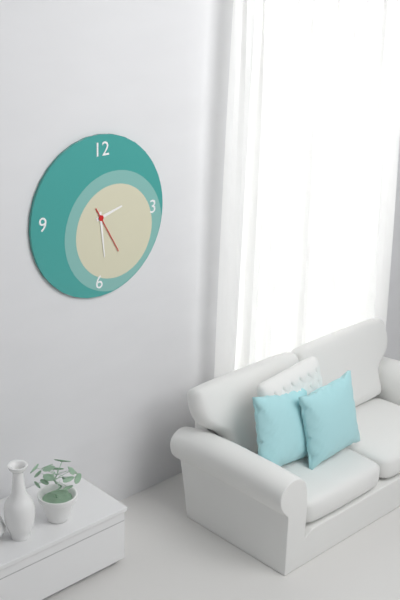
2:29
